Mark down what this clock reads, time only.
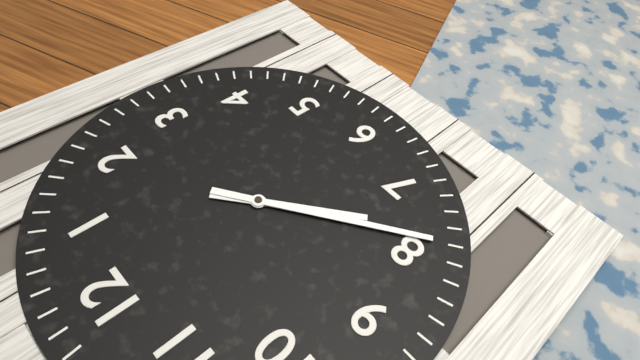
7:39
